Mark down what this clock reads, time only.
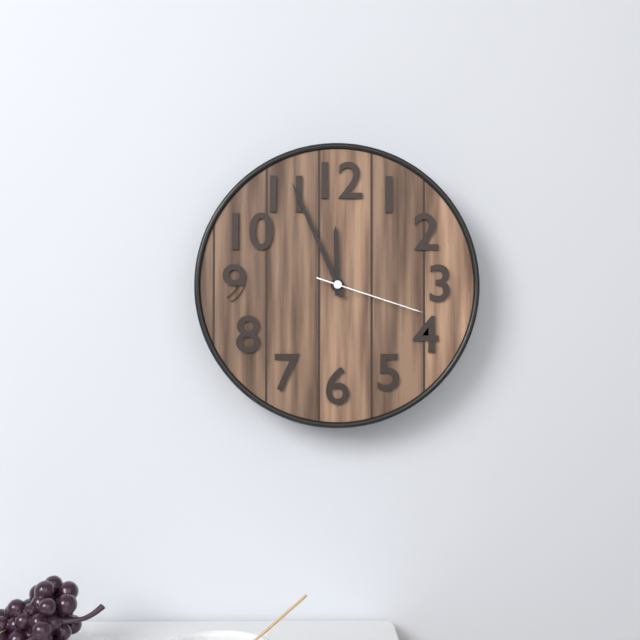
11:56:18
